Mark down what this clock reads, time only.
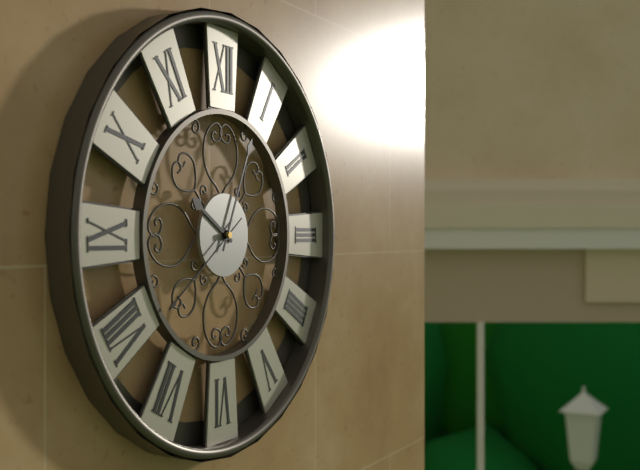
10:04:39
